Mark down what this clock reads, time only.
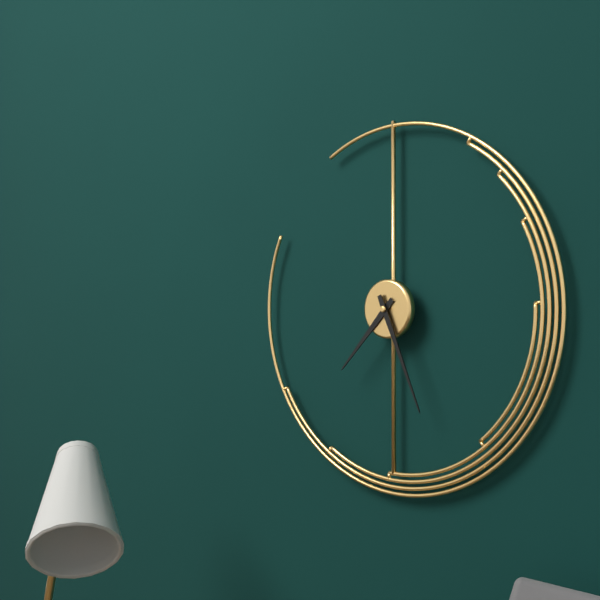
7:26
